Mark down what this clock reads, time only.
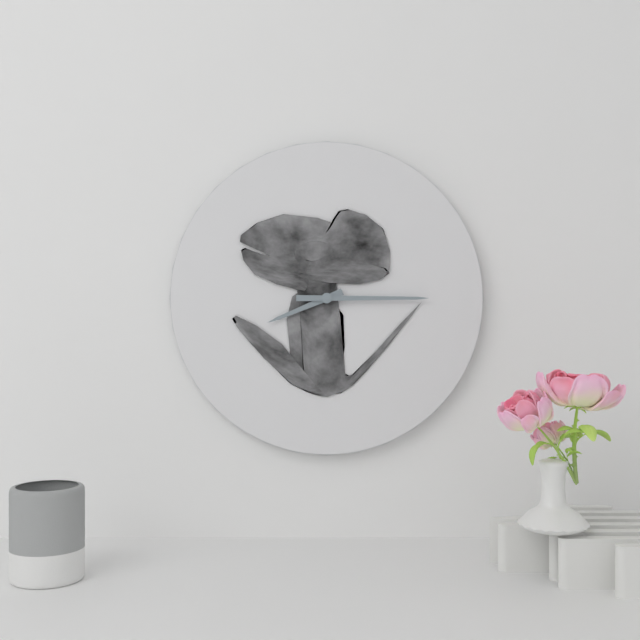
8:15
